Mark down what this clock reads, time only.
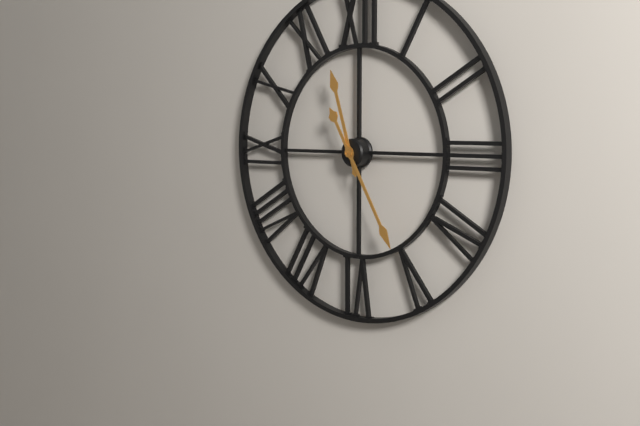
11:25
